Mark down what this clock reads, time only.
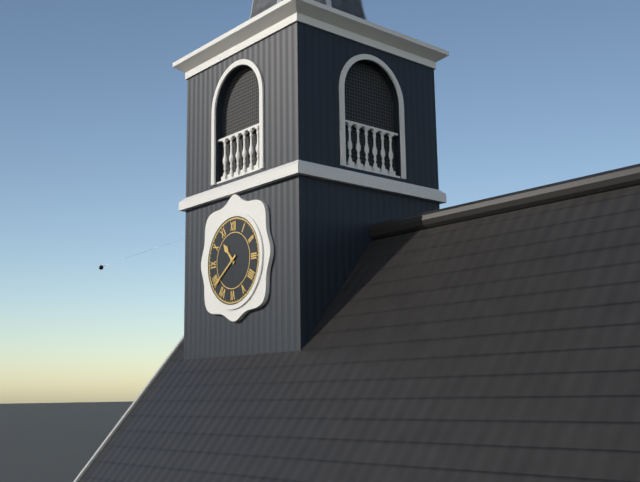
10:39
